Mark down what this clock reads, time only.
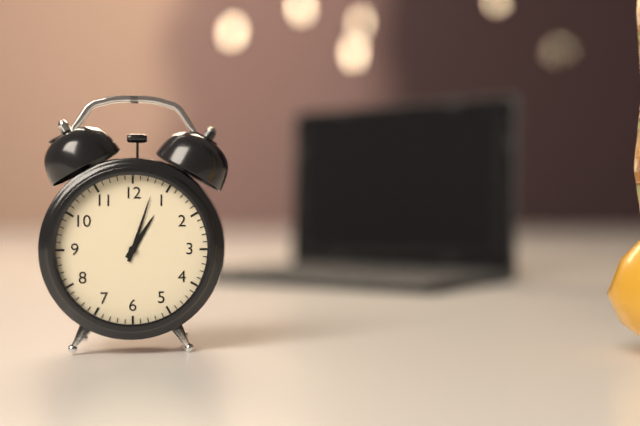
1:03
